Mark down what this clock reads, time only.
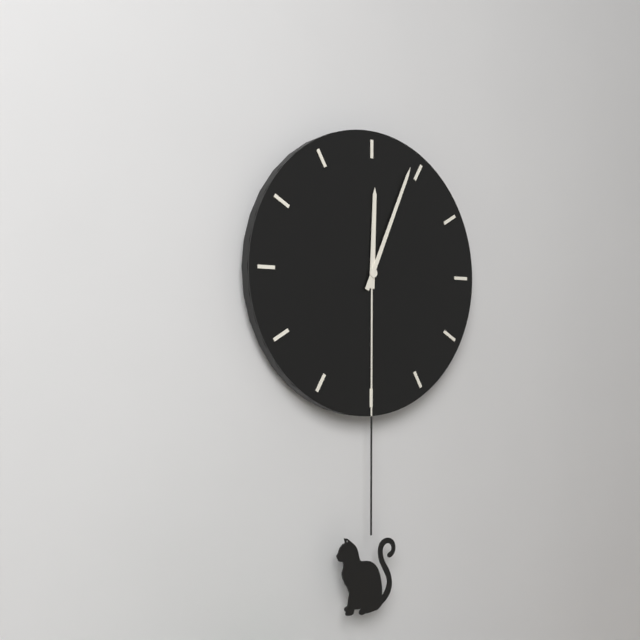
12:04
